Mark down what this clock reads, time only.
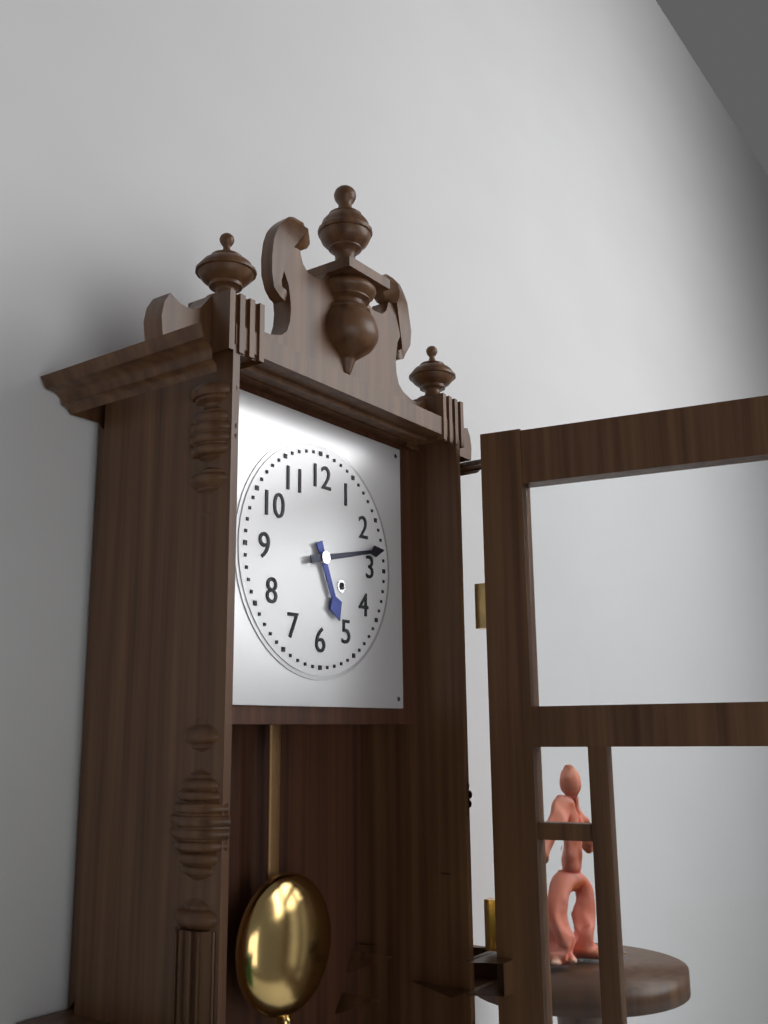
5:13
